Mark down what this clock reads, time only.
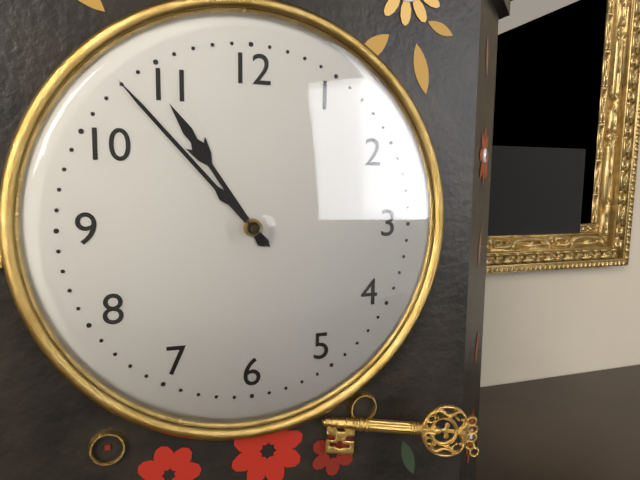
10:53
